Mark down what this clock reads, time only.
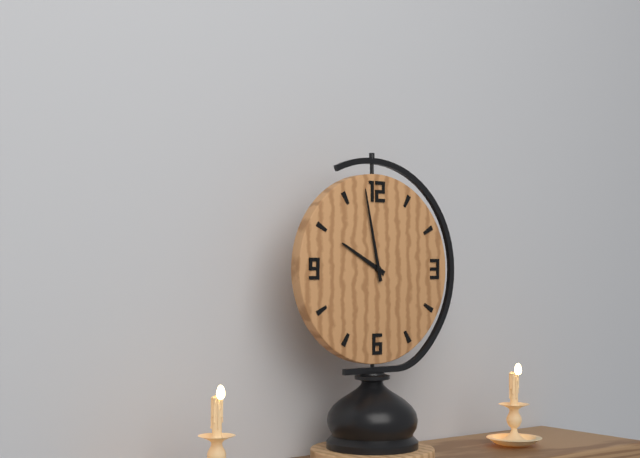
9:58
